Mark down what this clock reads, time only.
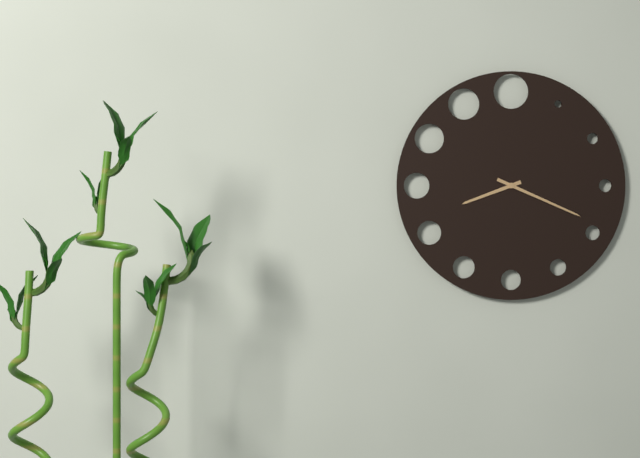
8:19
